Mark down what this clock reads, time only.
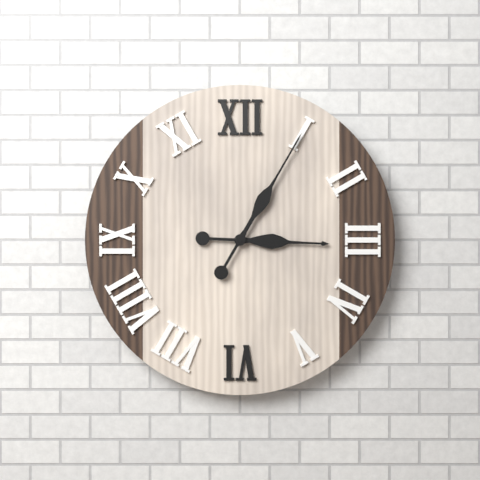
3:05
